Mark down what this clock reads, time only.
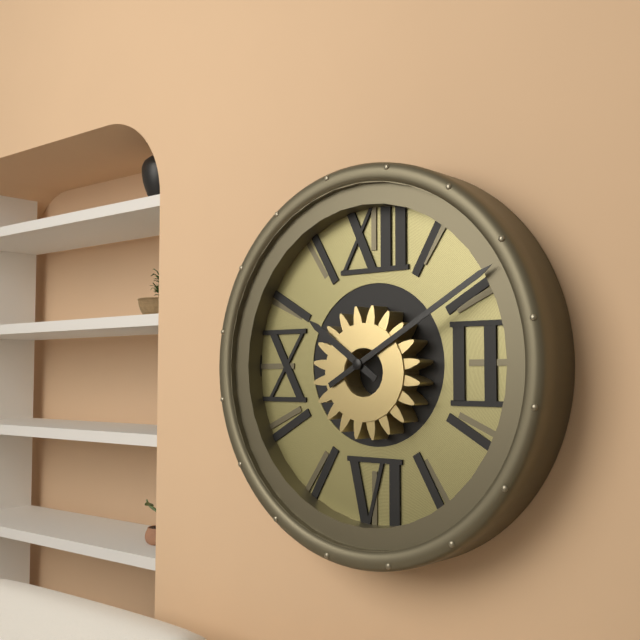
10:10
